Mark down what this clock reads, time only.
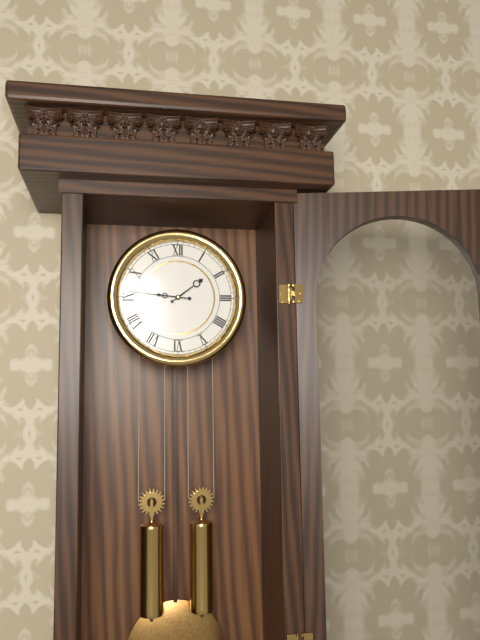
1:46
